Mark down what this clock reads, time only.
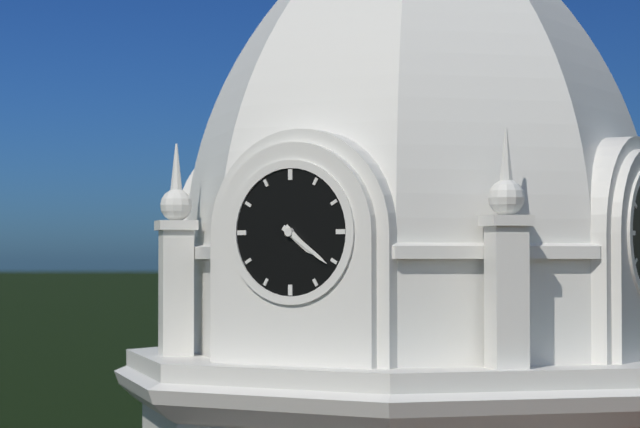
4:21
